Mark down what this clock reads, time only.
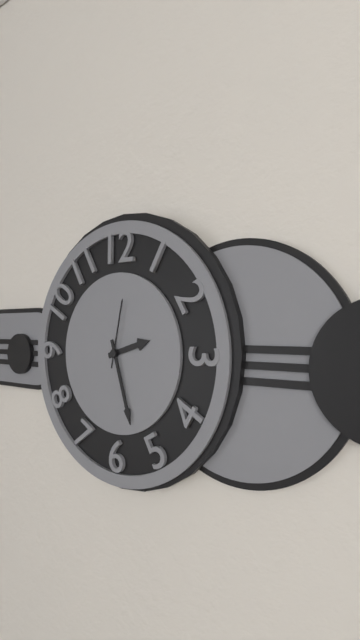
2:27:02
